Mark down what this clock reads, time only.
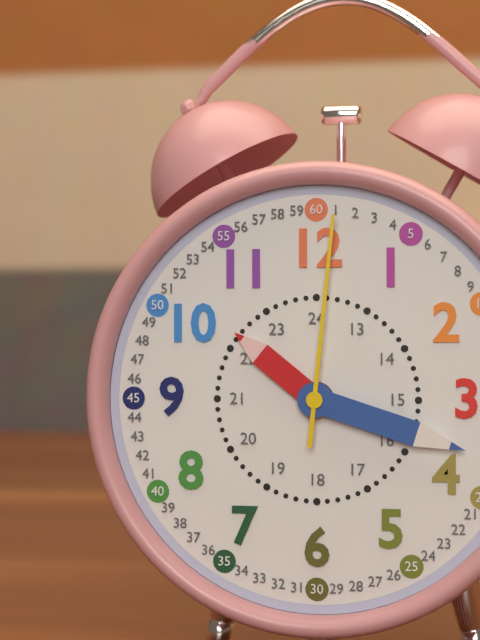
10:18:01
